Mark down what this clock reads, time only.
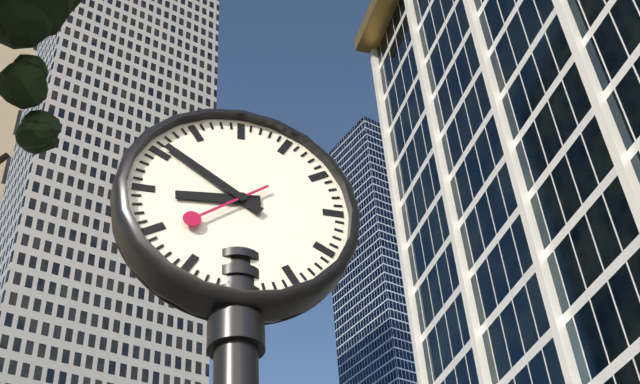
8:51:39
